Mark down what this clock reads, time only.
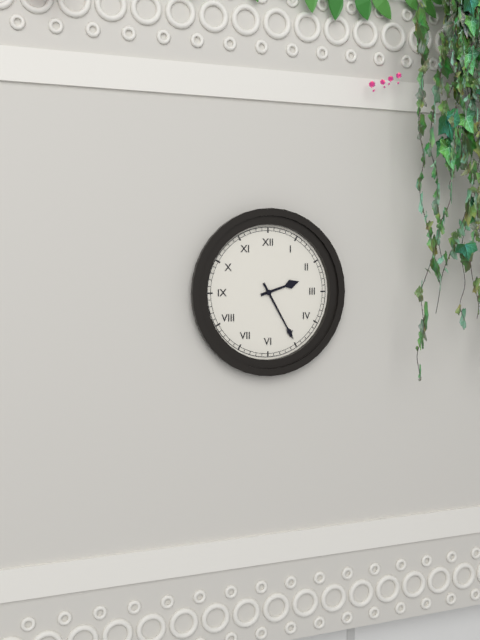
2:25
